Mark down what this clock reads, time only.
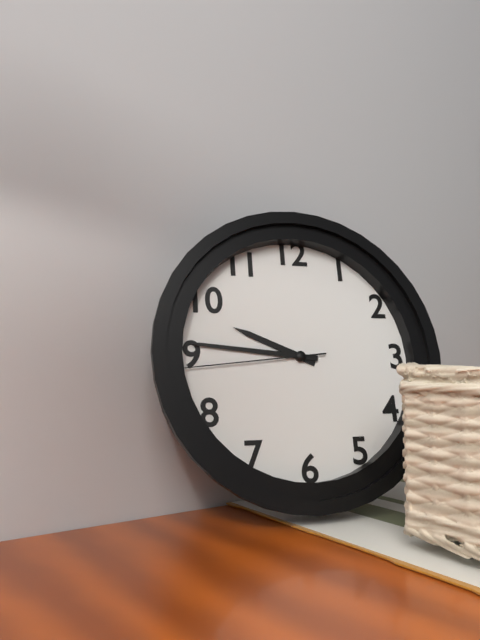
9:46:44
